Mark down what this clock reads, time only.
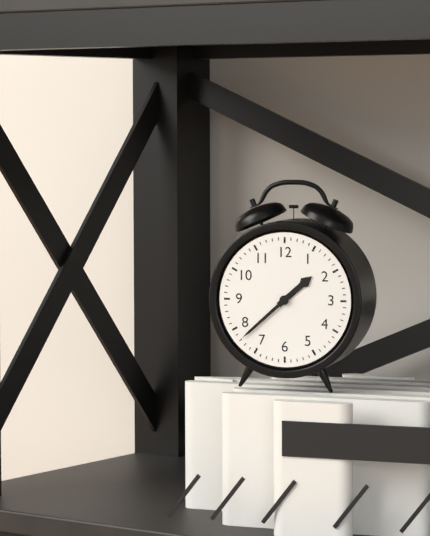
1:38
